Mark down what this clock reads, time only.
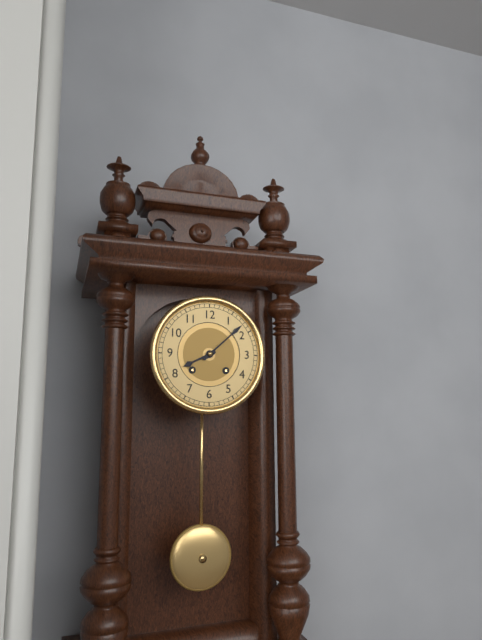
8:08
